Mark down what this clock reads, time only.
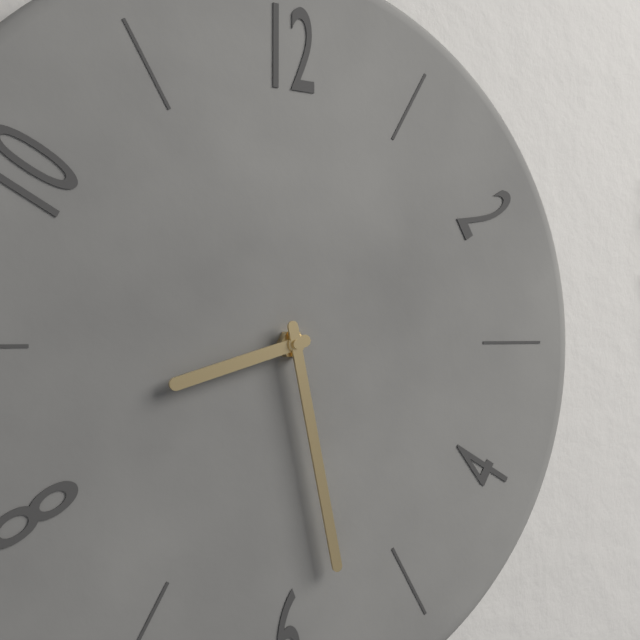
8:28
